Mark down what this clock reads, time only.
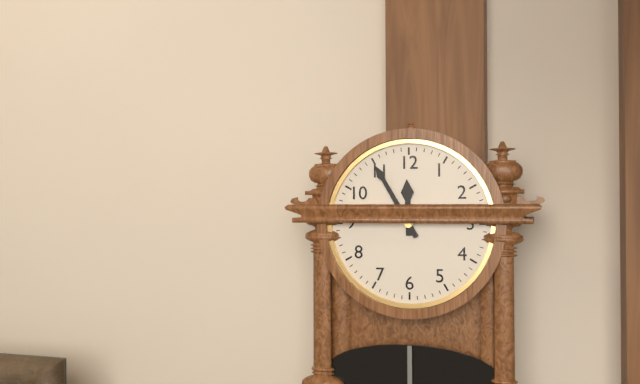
11:55
